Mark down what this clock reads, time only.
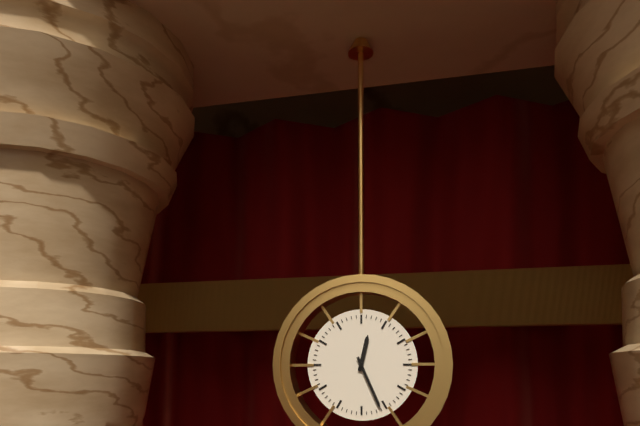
12:26
